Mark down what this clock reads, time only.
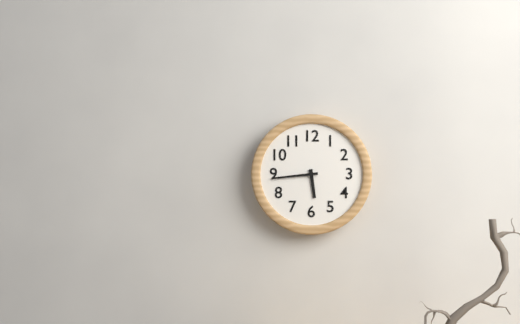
5:44
